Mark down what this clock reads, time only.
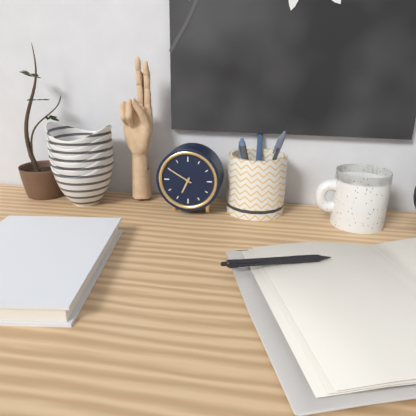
6:50
